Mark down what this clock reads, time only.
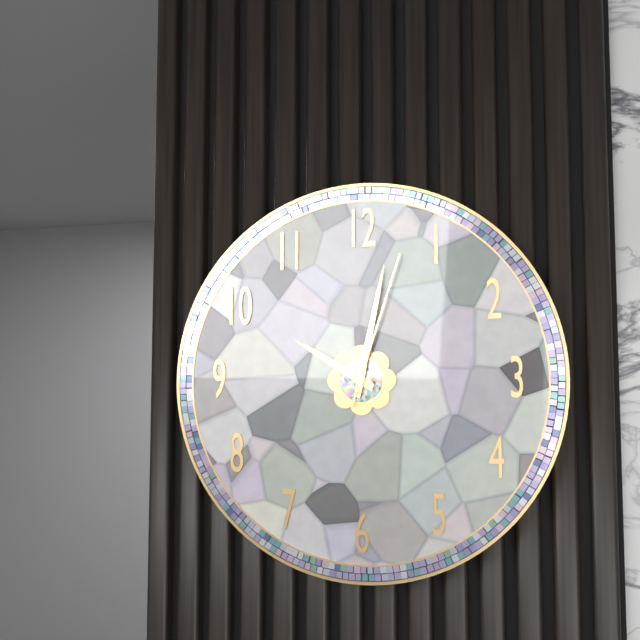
10:02:03
